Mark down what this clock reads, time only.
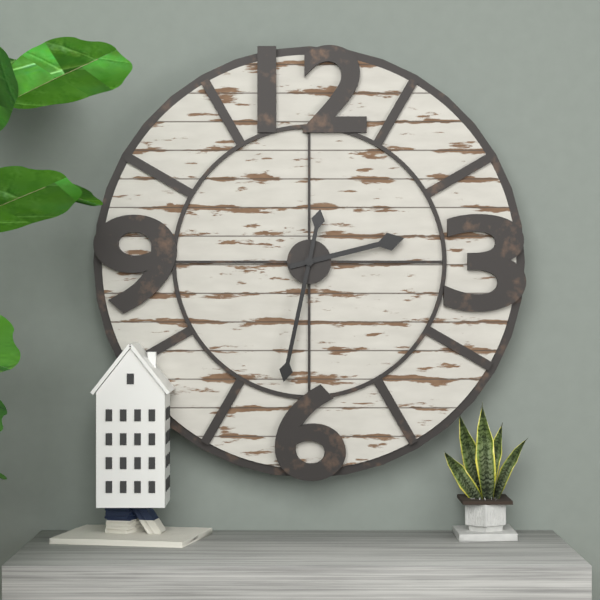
2:32
